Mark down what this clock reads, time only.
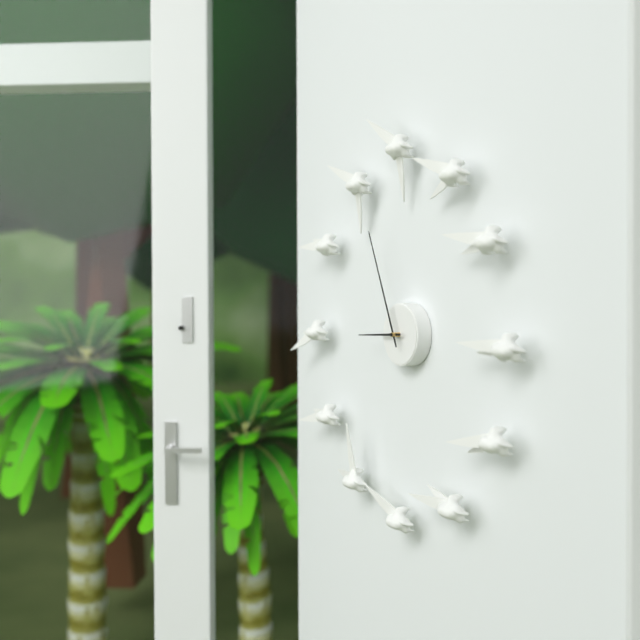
8:56
